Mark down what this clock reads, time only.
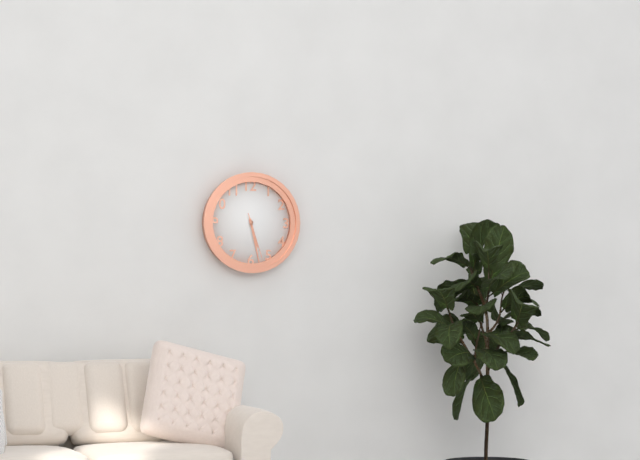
5:28
